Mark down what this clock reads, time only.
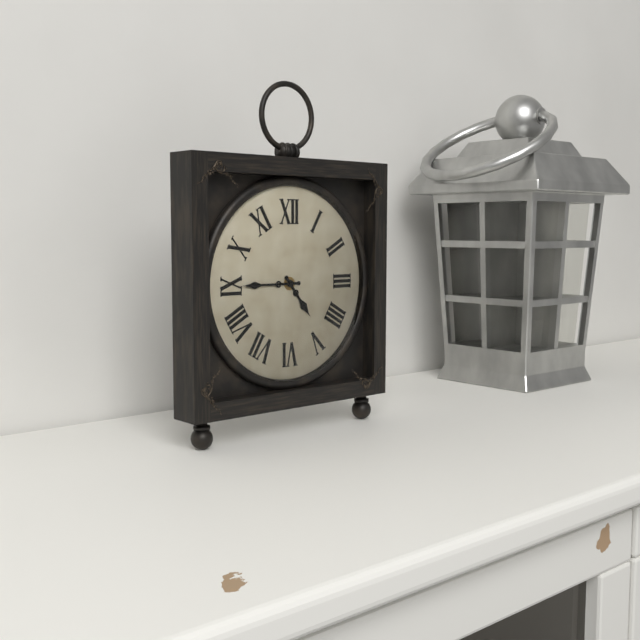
4:45
